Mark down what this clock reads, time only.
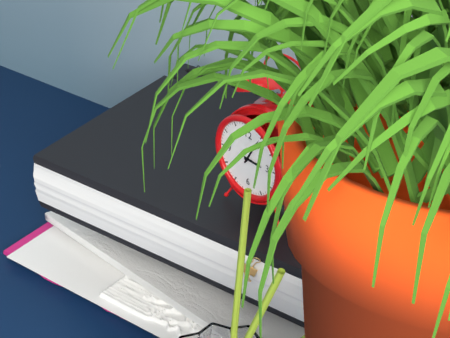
3:05
